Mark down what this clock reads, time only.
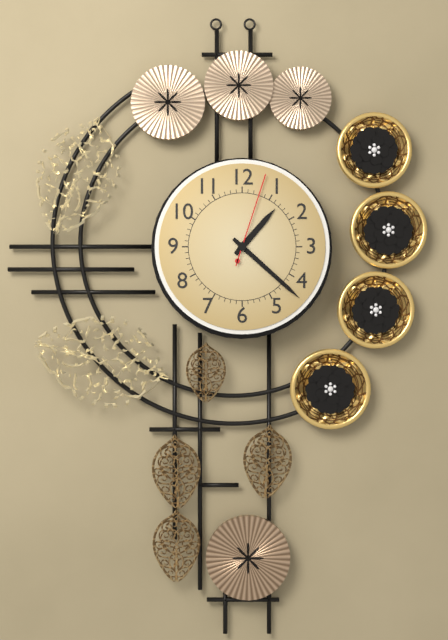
1:22:03
